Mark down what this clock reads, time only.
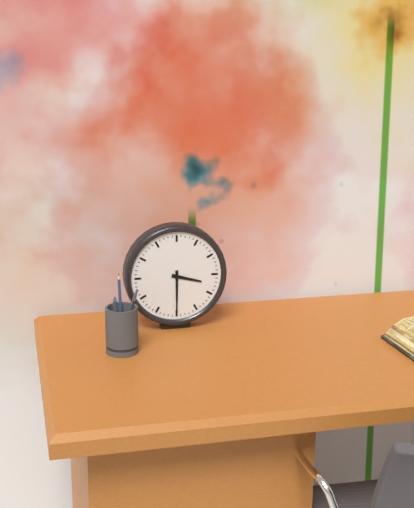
3:30
